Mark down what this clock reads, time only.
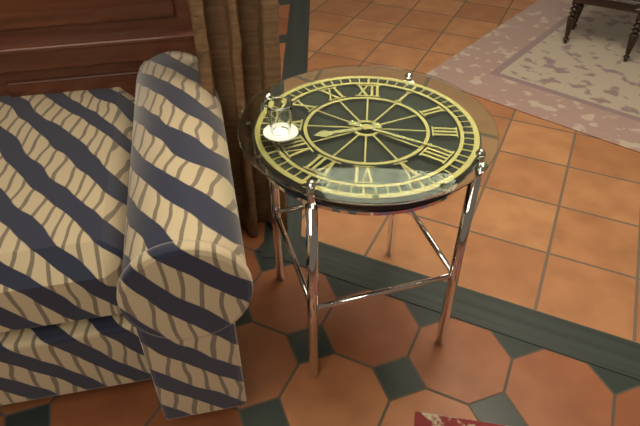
8:19
